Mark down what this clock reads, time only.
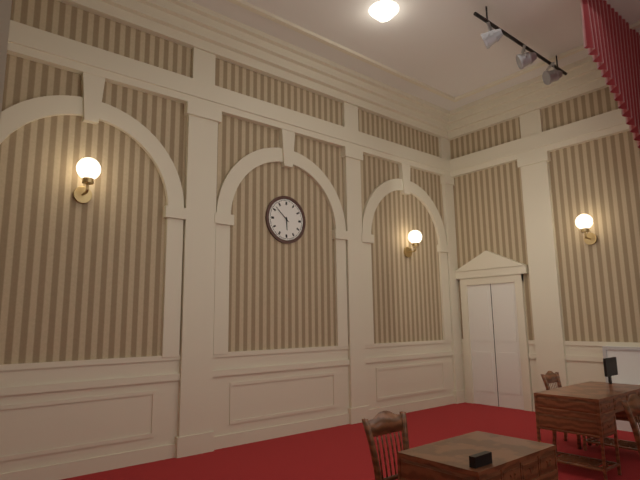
5:52
